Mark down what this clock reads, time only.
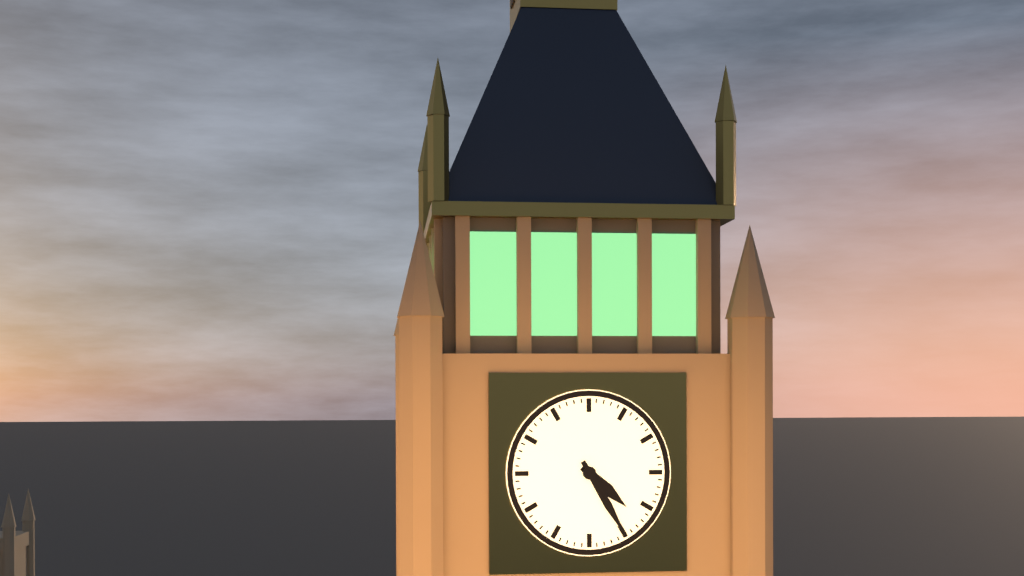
4:25
